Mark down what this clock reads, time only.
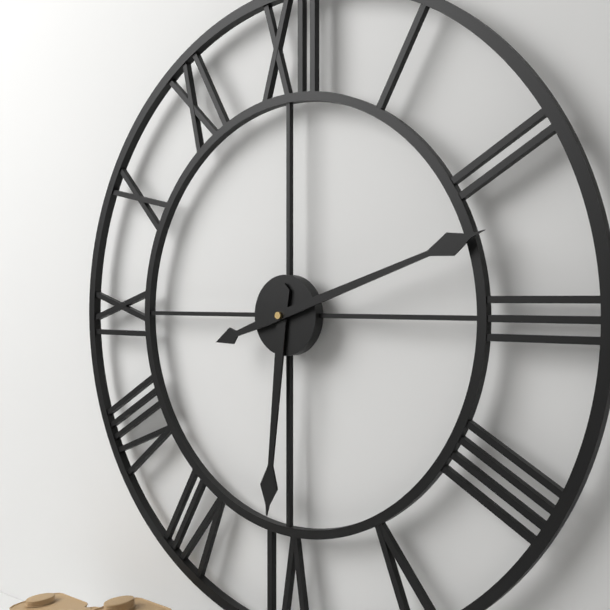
6:12
